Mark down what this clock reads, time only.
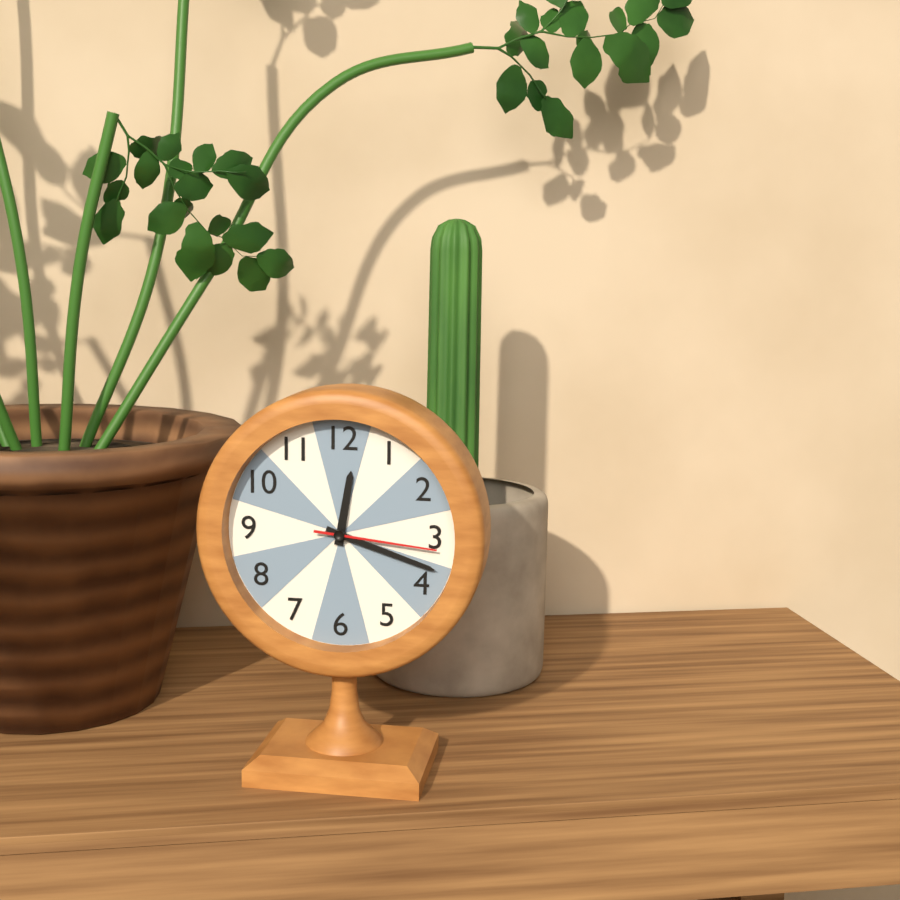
12:18:16
